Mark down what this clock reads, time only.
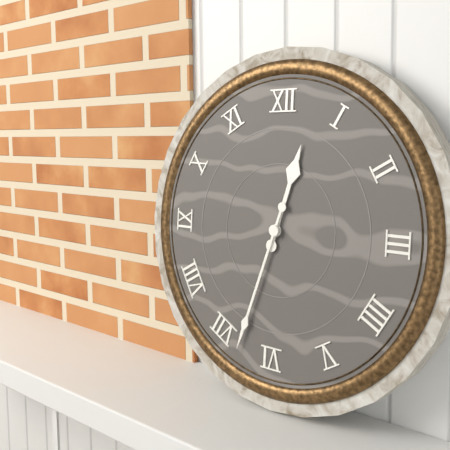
12:33
